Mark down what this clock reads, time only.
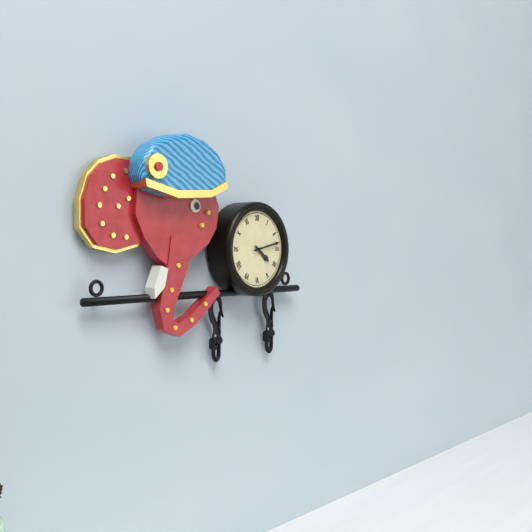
4:13
